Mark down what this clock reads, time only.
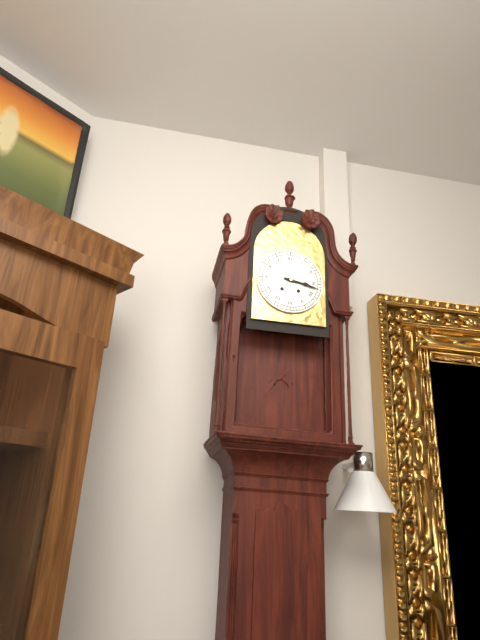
3:17
